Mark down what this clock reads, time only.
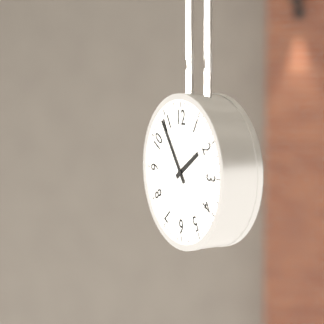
1:54
